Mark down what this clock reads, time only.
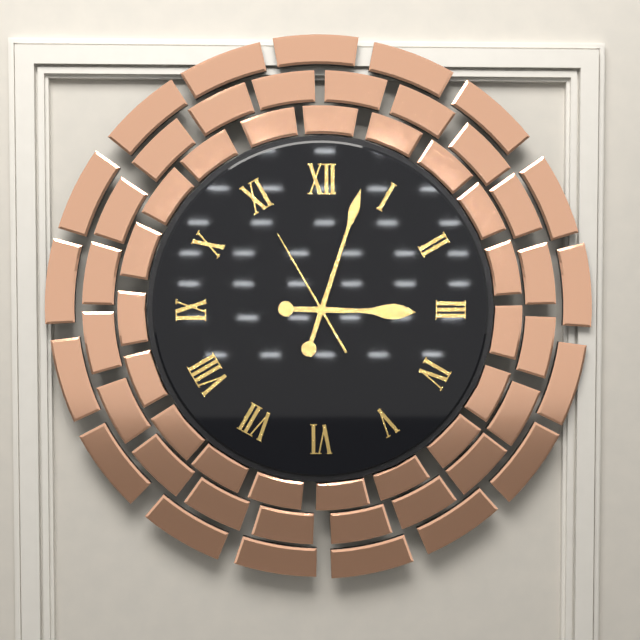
3:03:55
